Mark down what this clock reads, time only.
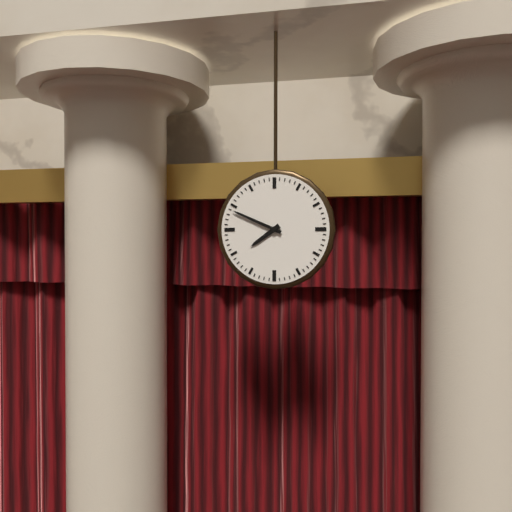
7:49
